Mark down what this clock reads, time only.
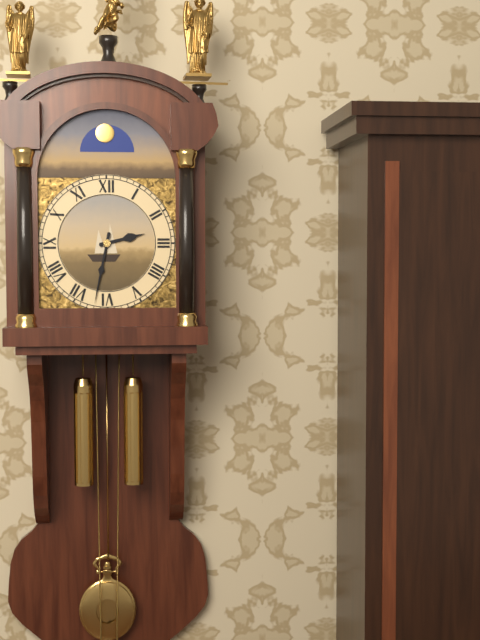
2:32
